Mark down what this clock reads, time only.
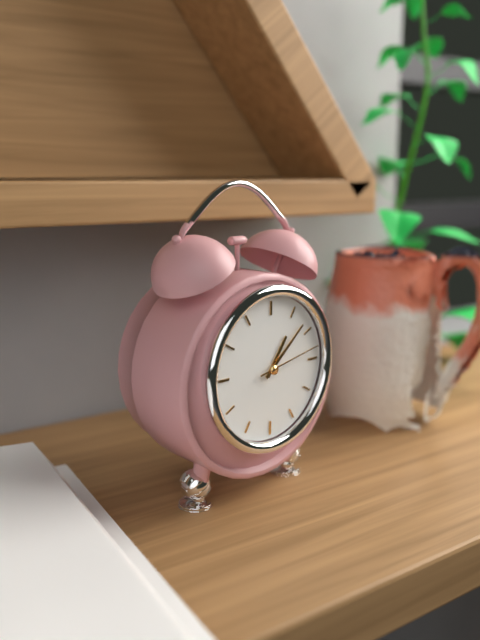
1:08:13
